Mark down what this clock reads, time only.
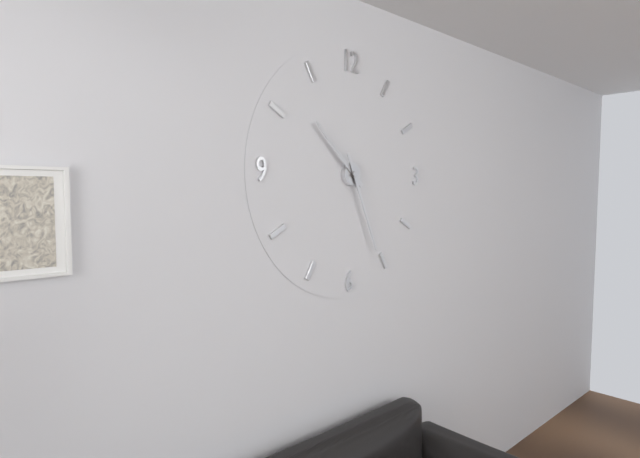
10:26
